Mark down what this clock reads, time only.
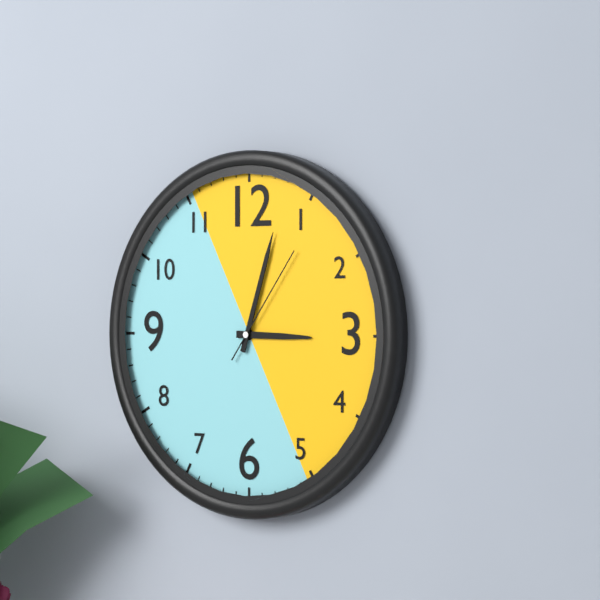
3:03:06
